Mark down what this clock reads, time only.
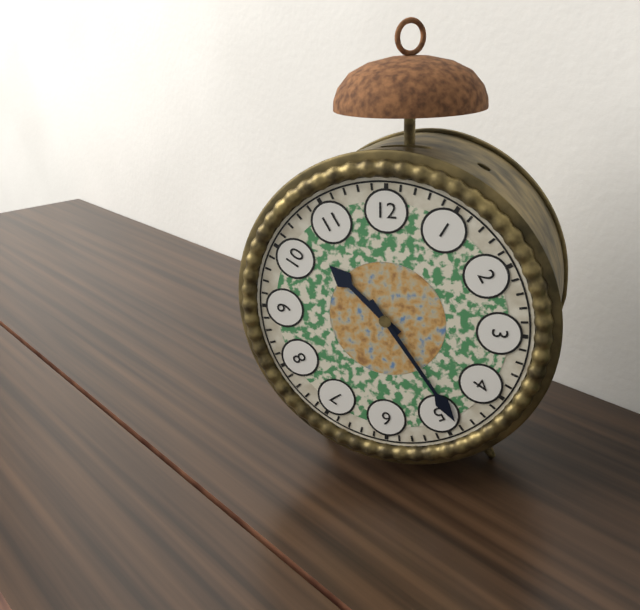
10:24
